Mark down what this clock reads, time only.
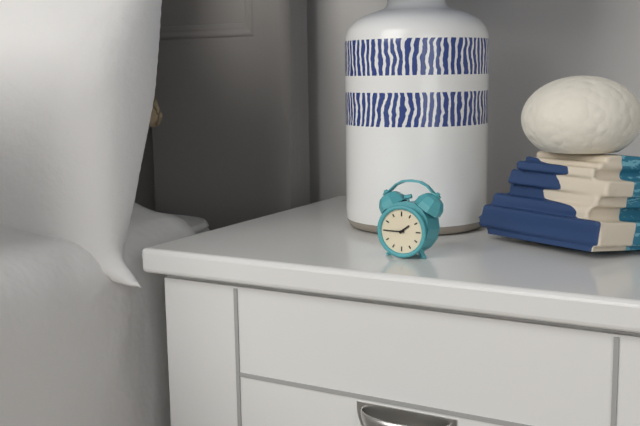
1:45
